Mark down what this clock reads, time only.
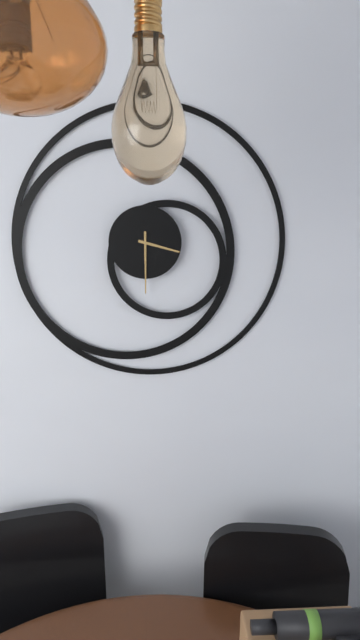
3:30
